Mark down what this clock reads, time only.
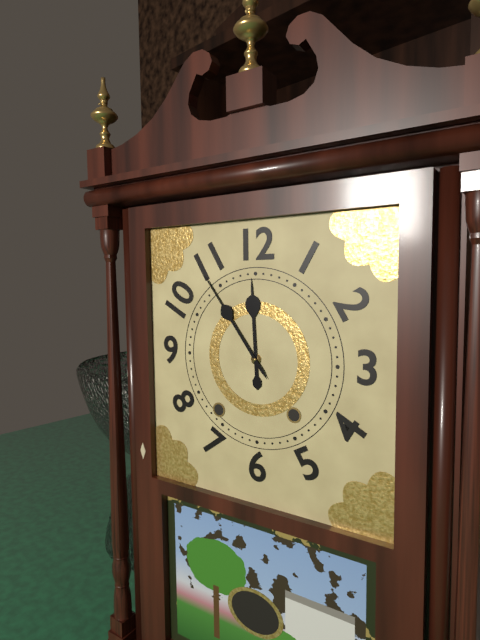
11:54
